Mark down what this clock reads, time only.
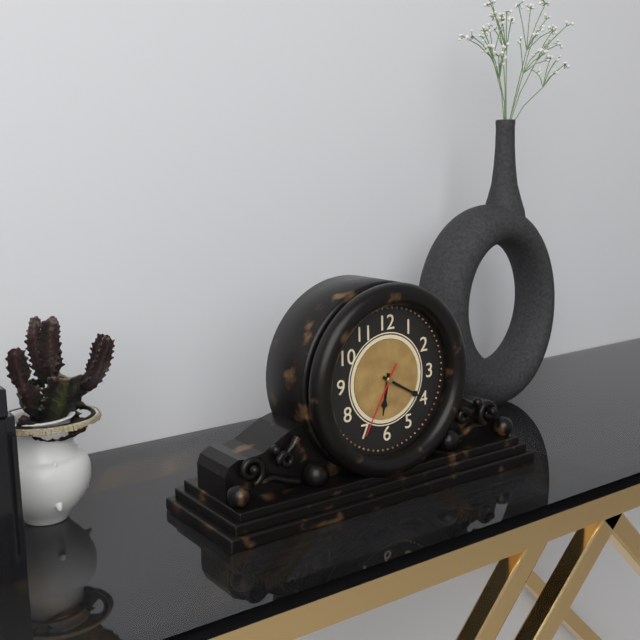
6:20:35
